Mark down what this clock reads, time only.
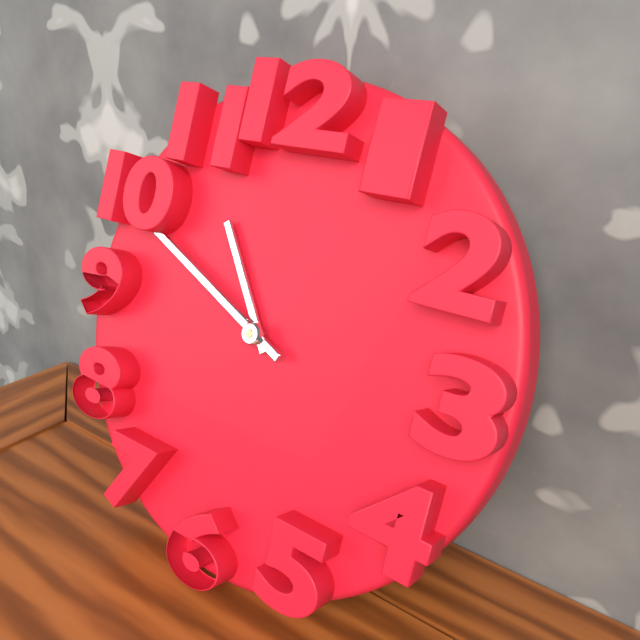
10:49
